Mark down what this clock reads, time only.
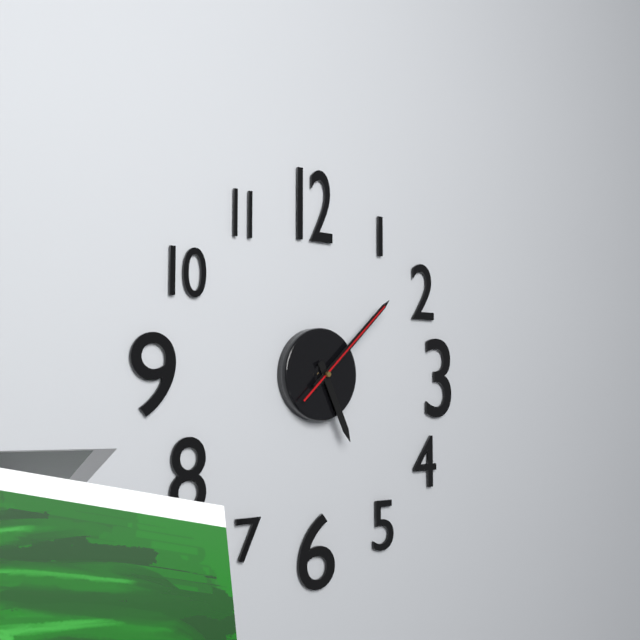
5:08:08
